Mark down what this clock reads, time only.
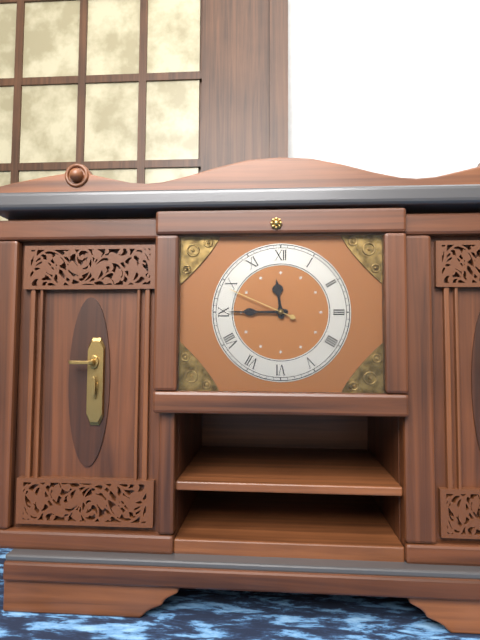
11:45:49
